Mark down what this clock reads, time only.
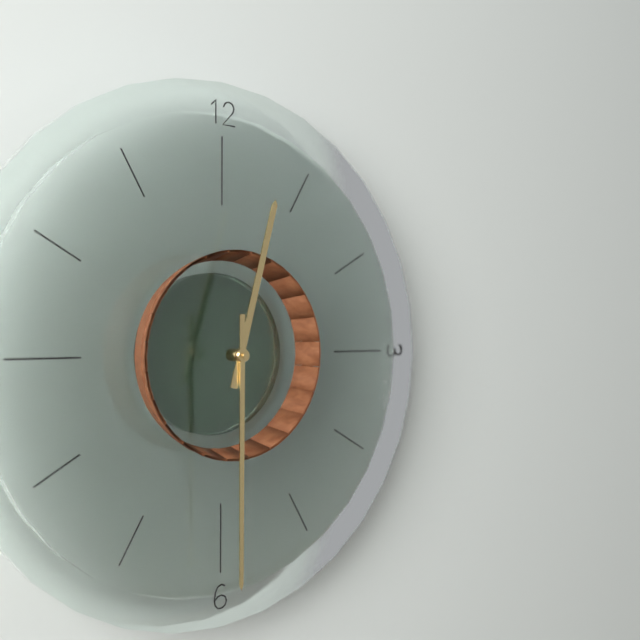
12:30
